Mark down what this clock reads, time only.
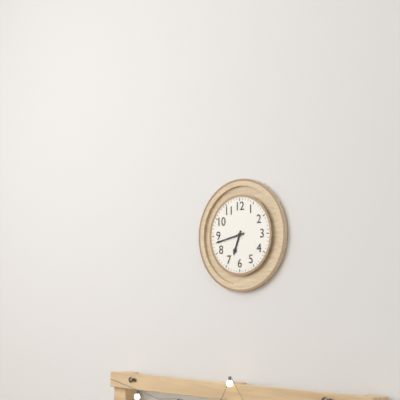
6:43
